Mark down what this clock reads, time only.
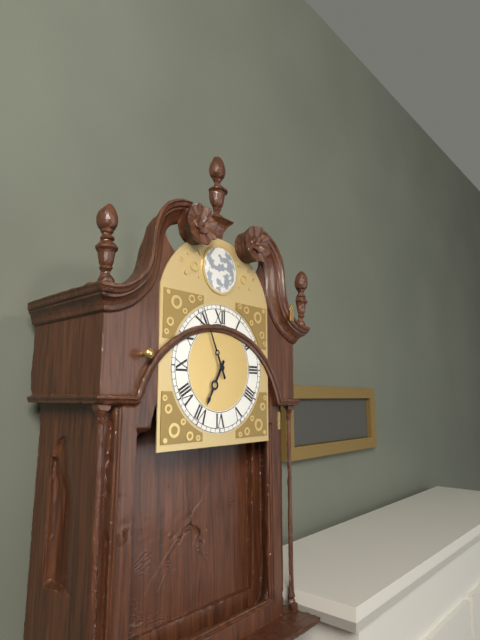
6:56
